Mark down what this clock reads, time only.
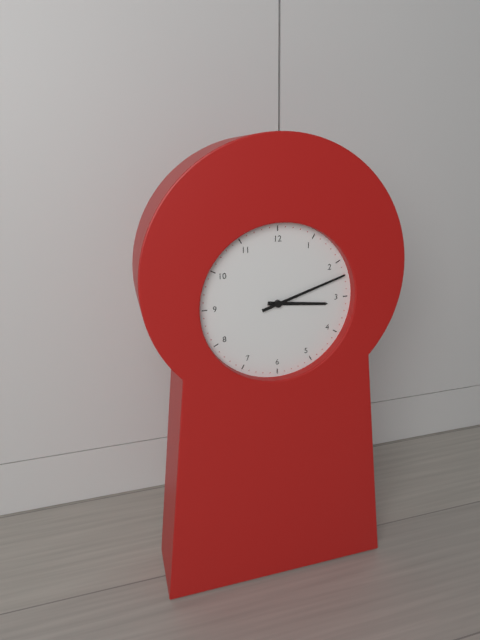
3:12
